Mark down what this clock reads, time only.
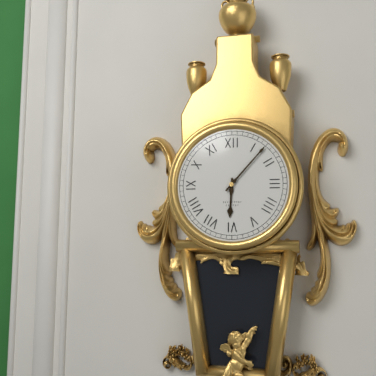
6:07
